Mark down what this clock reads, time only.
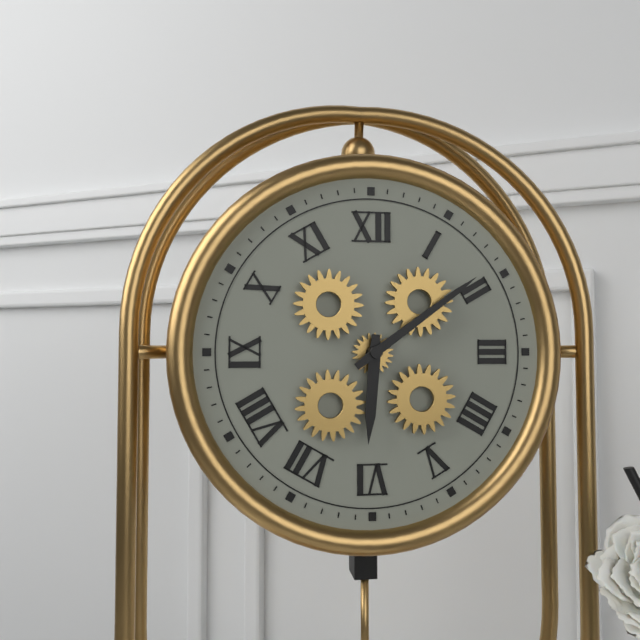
6:09
